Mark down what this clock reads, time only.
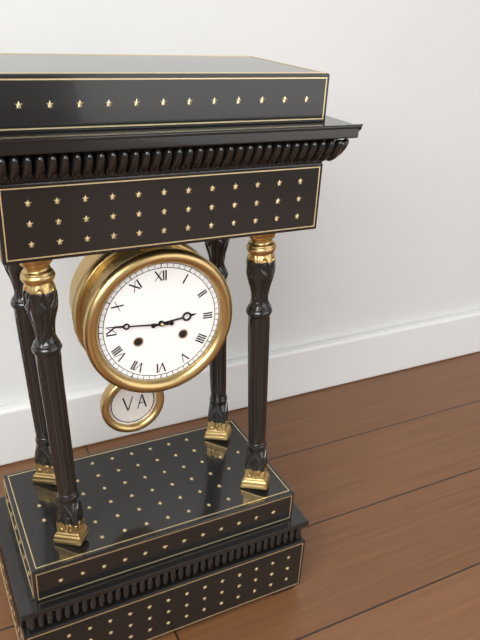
2:46
